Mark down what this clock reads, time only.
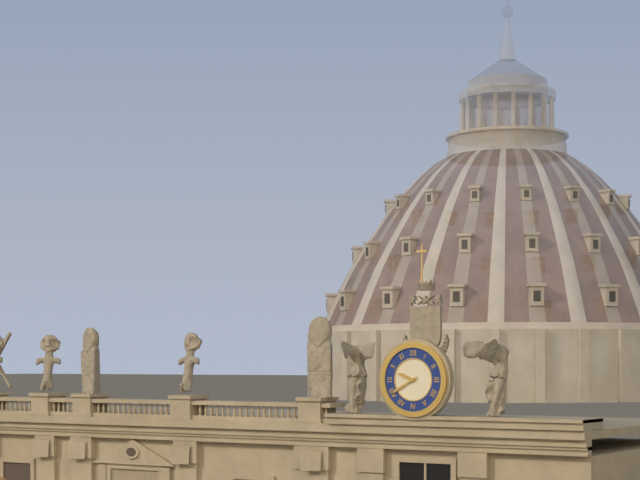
9:40
